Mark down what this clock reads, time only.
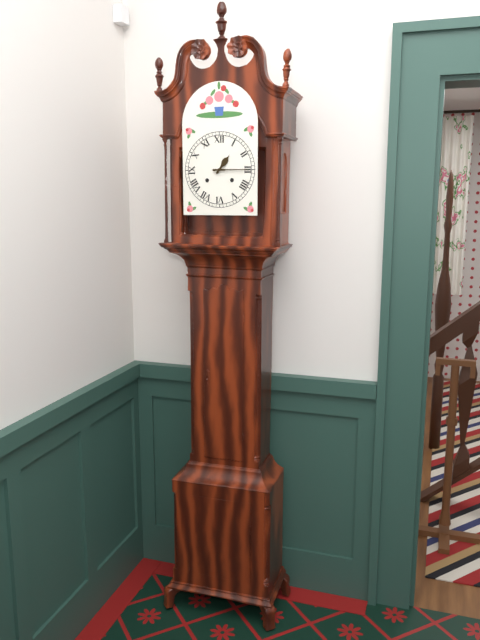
1:15
